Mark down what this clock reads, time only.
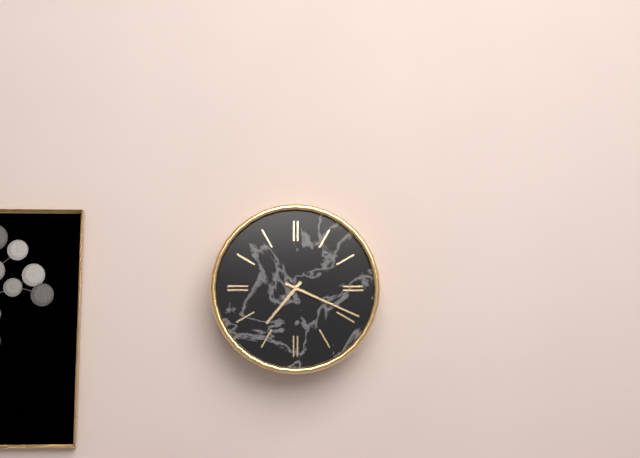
7:19
